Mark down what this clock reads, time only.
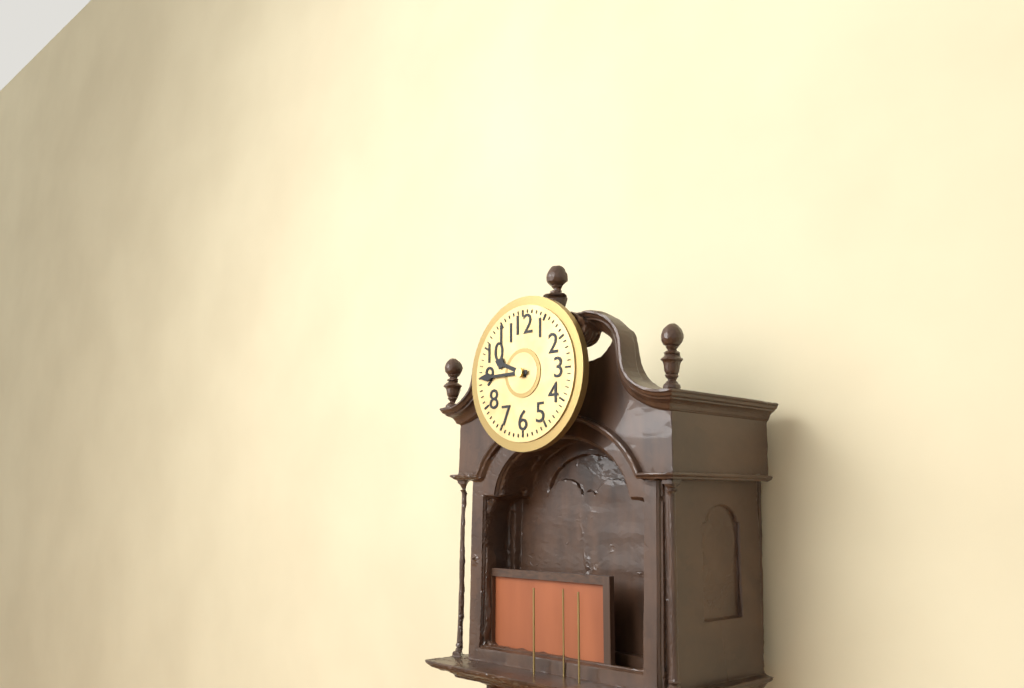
9:45
